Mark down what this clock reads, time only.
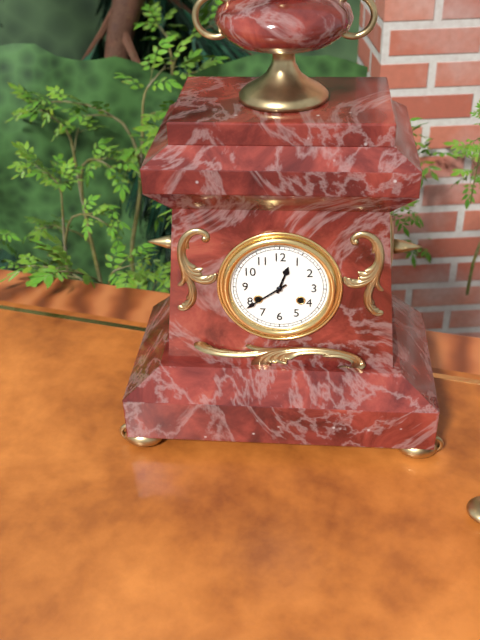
12:39
